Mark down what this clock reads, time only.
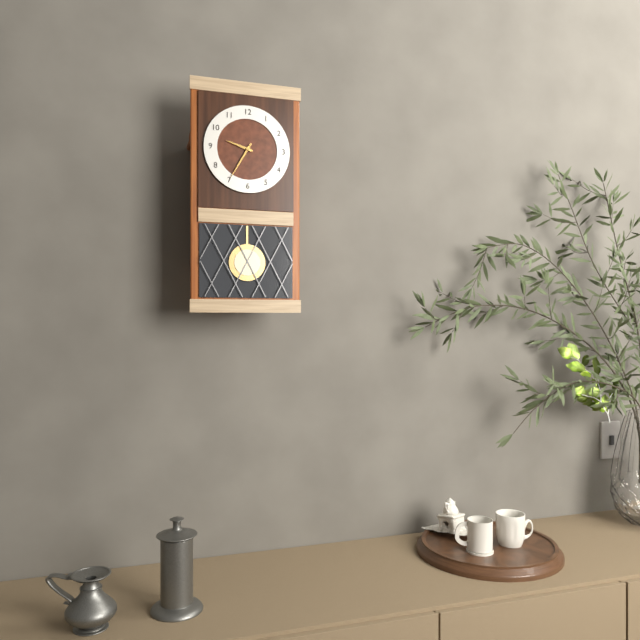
9:35
